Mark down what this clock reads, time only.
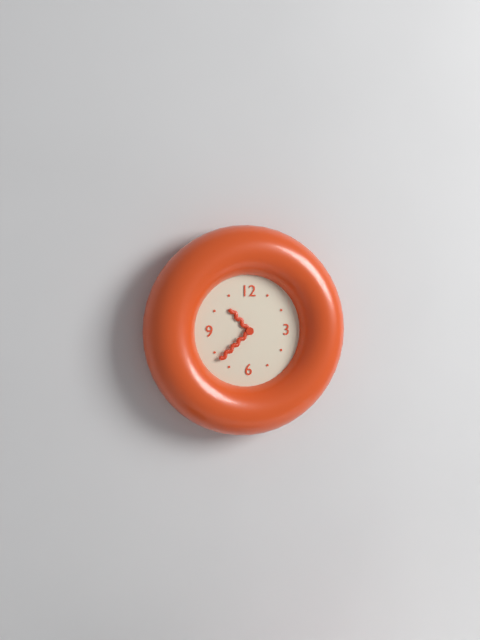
10:38
